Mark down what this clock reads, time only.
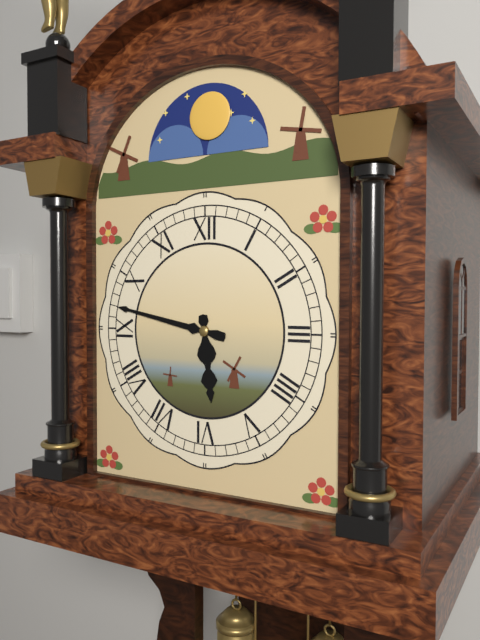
5:47
